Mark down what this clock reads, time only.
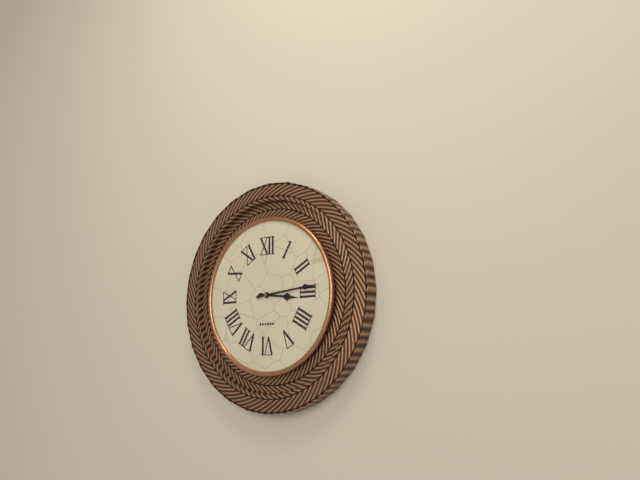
3:14
